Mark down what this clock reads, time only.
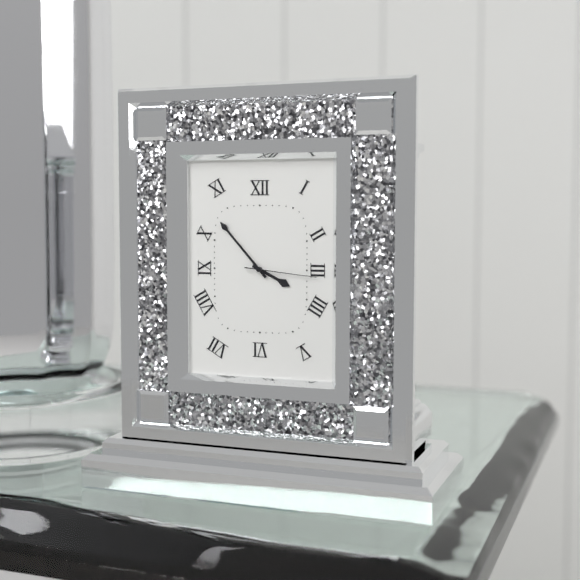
3:53:16
